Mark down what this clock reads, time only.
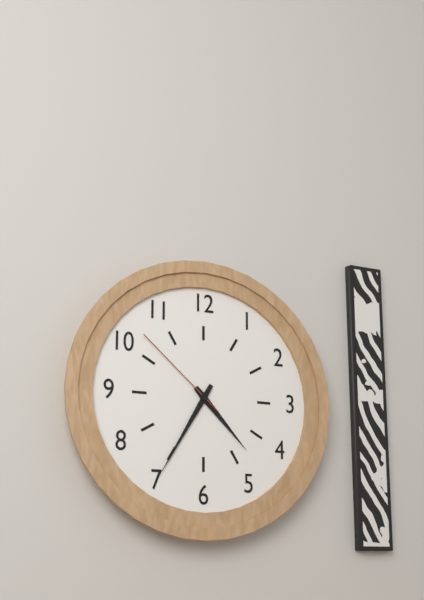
4:35:52
